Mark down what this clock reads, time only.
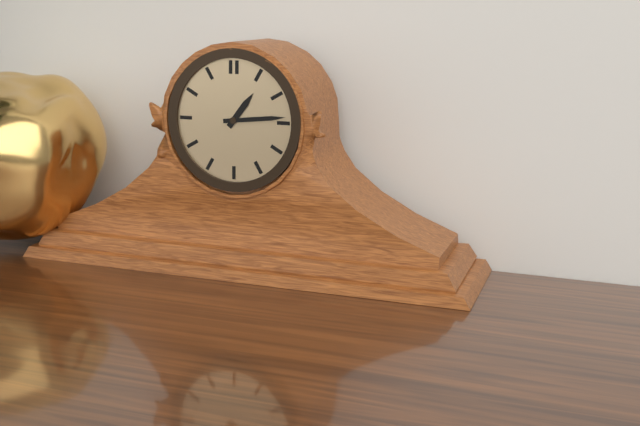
1:14
